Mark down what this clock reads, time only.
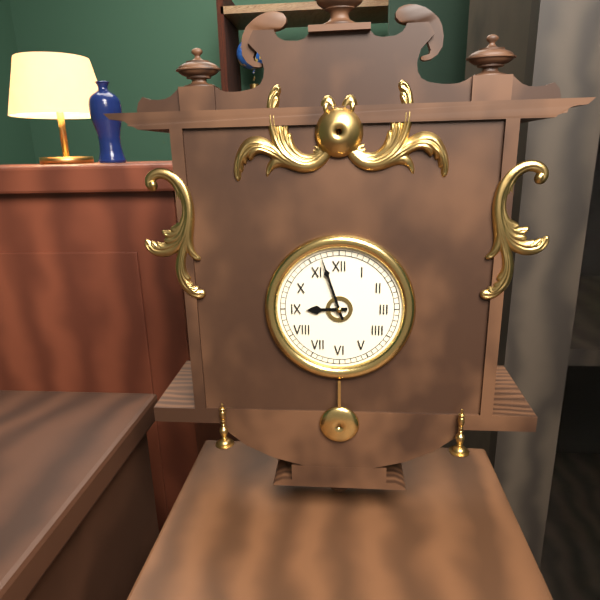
8:57
